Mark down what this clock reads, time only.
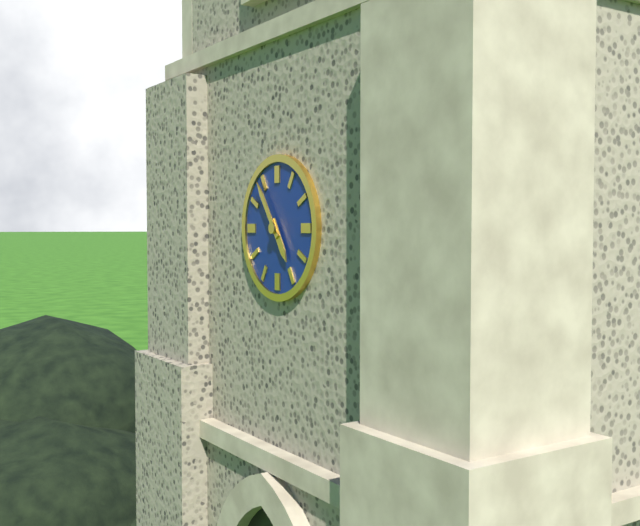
4:54
